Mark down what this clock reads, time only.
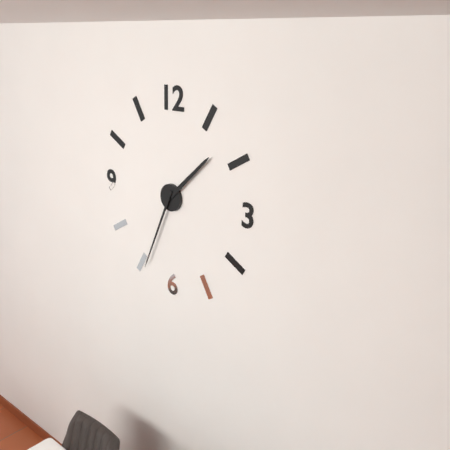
1:34
